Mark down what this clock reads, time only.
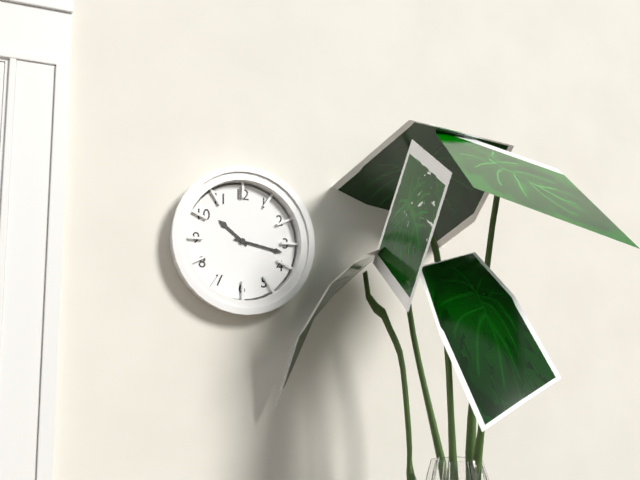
10:17
